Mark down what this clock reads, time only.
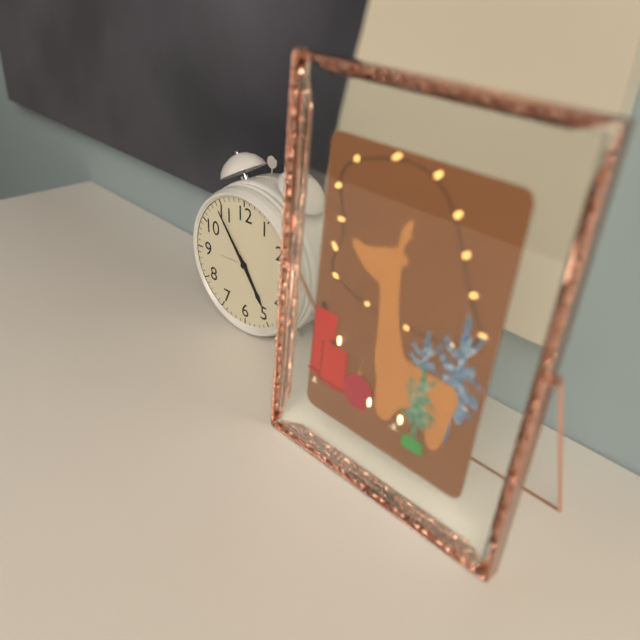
4:54
